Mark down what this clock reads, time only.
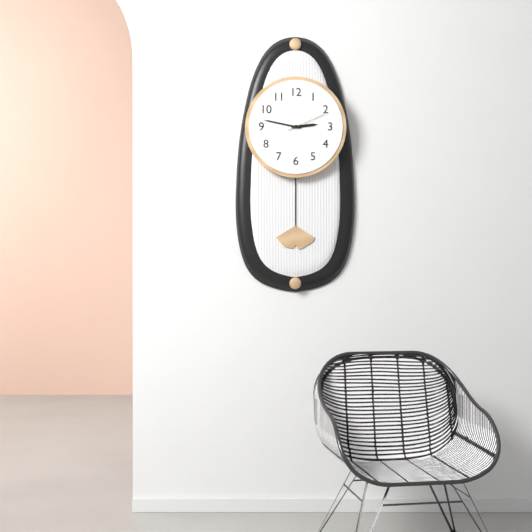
2:47
